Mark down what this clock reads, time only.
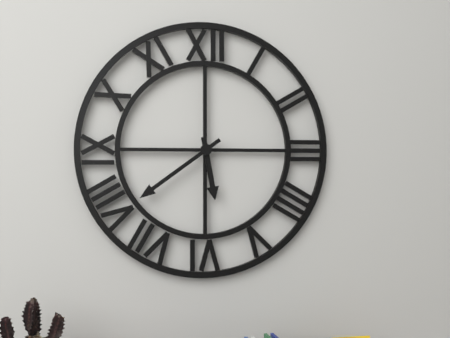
5:39
